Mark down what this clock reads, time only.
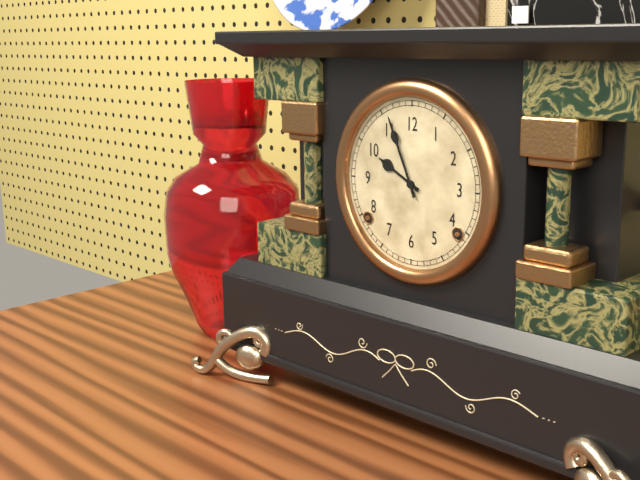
9:56
